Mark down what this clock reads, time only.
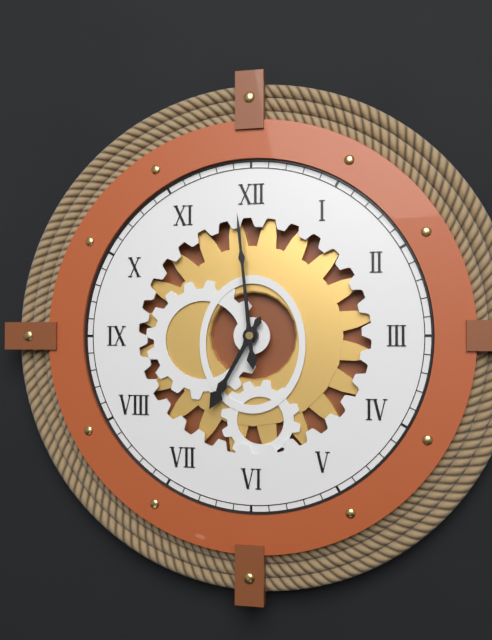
6:59
